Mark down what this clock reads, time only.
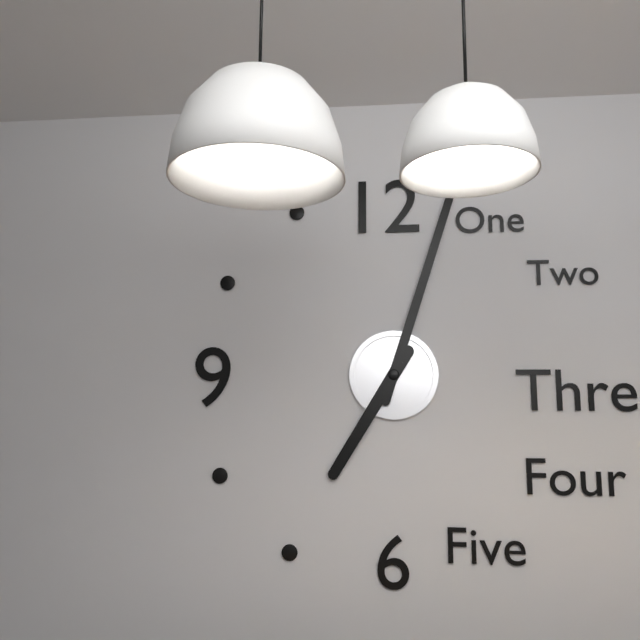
7:03
